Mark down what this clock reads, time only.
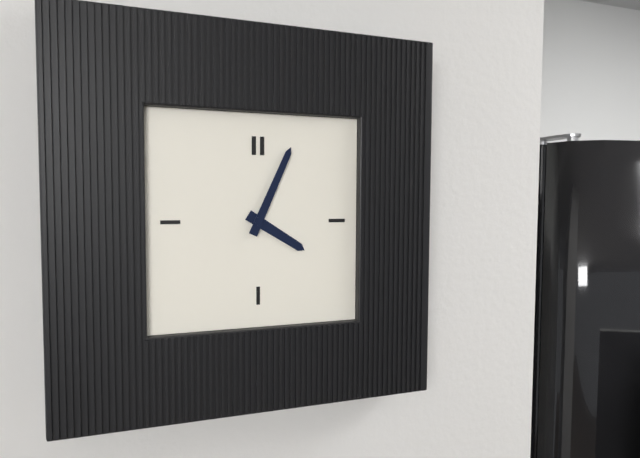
4:04
